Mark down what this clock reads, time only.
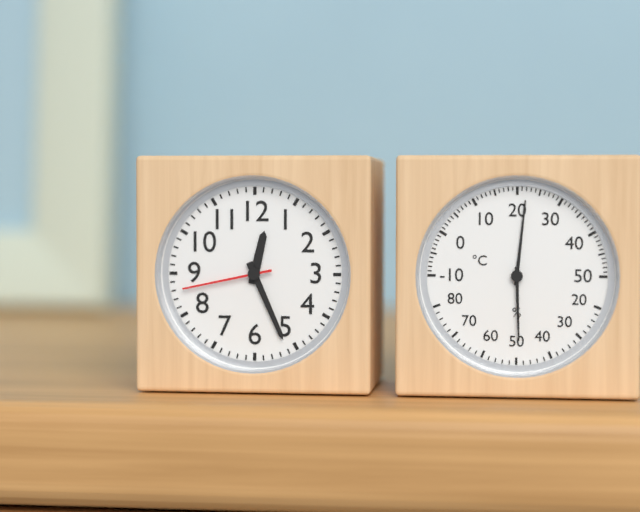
12:26:43
